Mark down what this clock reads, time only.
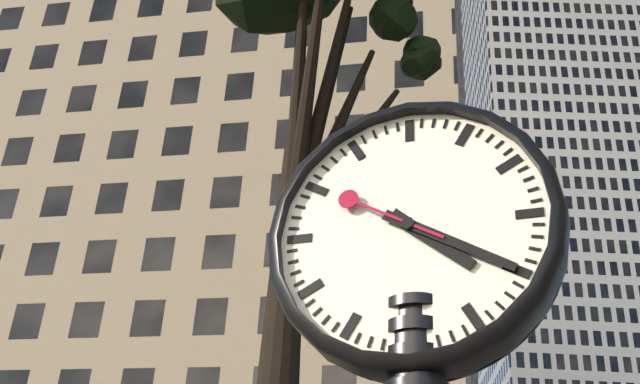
4:20:50
